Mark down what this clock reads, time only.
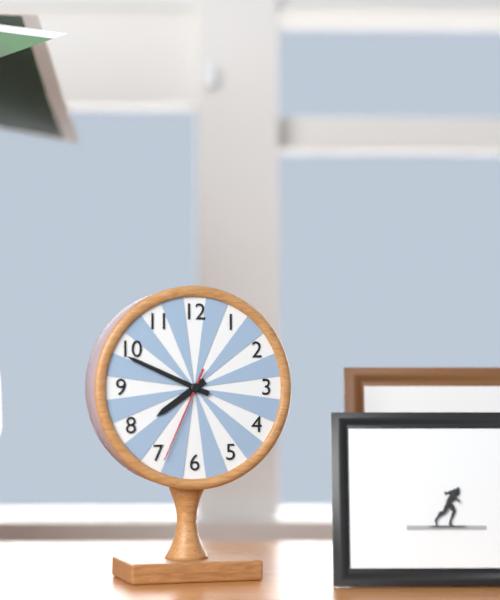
7:49:34
